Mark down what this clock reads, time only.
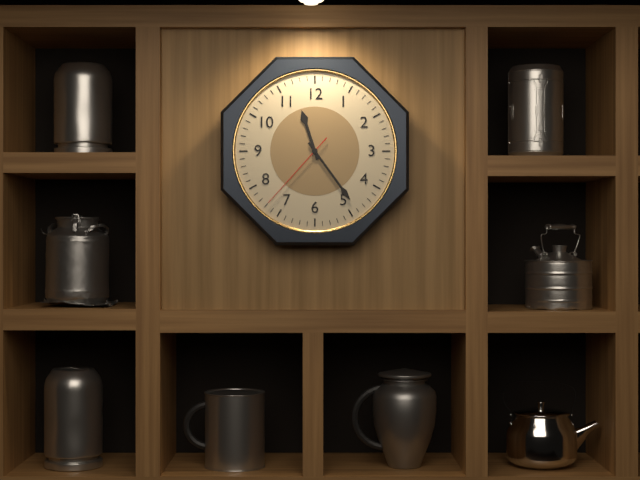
11:24:37
